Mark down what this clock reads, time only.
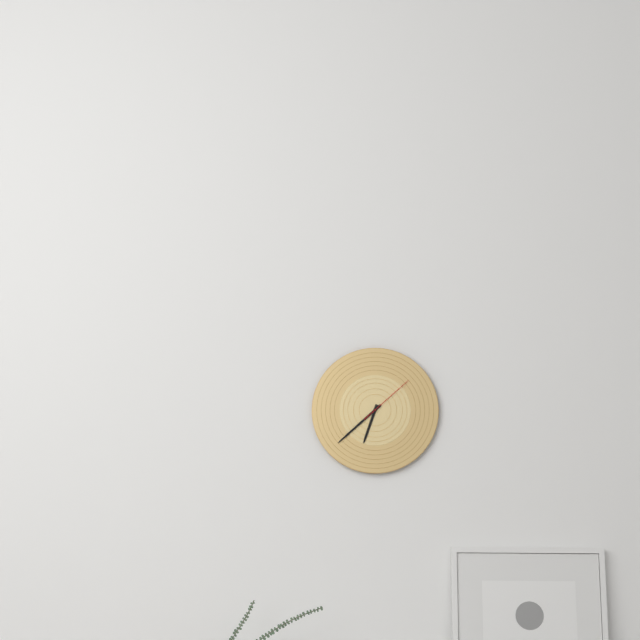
6:38:08
